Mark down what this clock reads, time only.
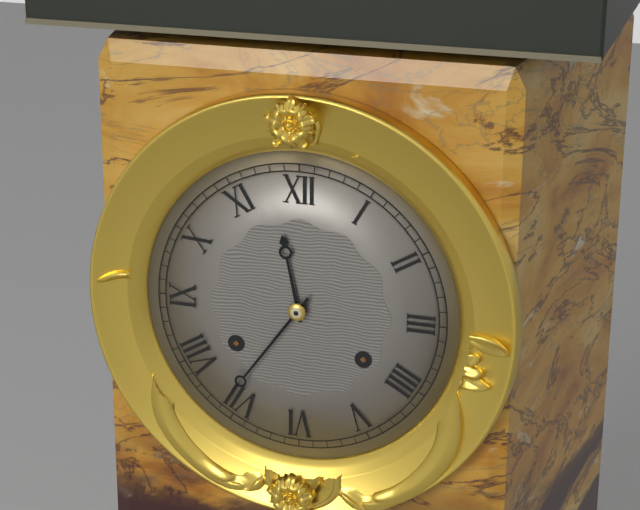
11:36
